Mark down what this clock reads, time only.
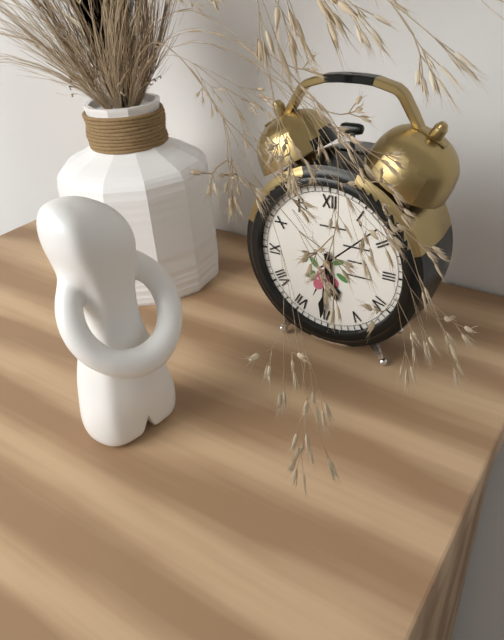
5:31
